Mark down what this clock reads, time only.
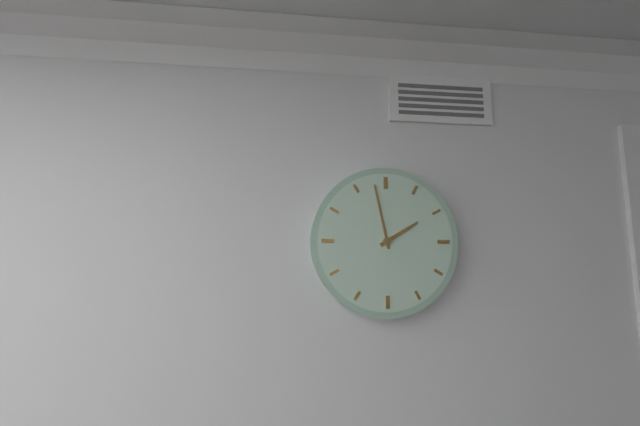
1:58
